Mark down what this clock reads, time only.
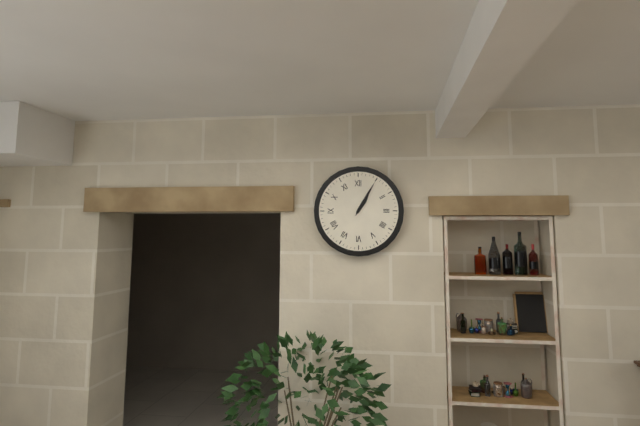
1:05
